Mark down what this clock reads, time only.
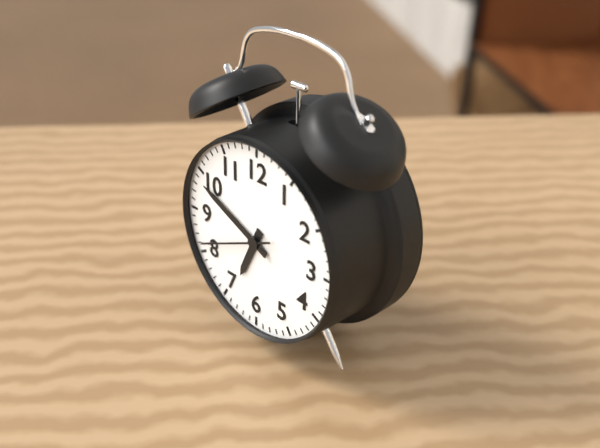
6:49:41
